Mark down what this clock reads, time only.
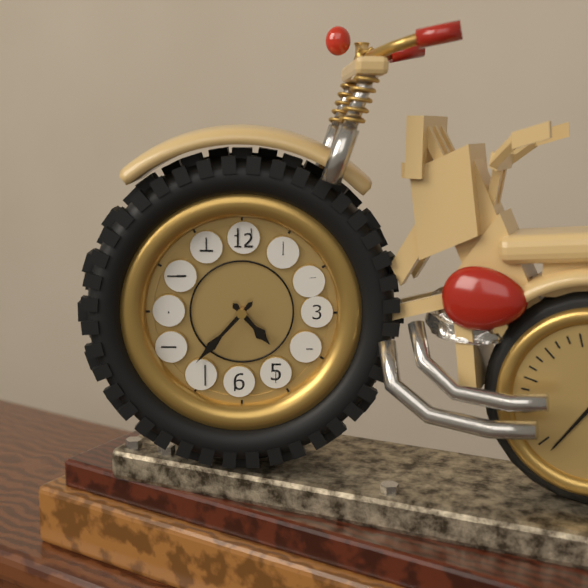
4:37
